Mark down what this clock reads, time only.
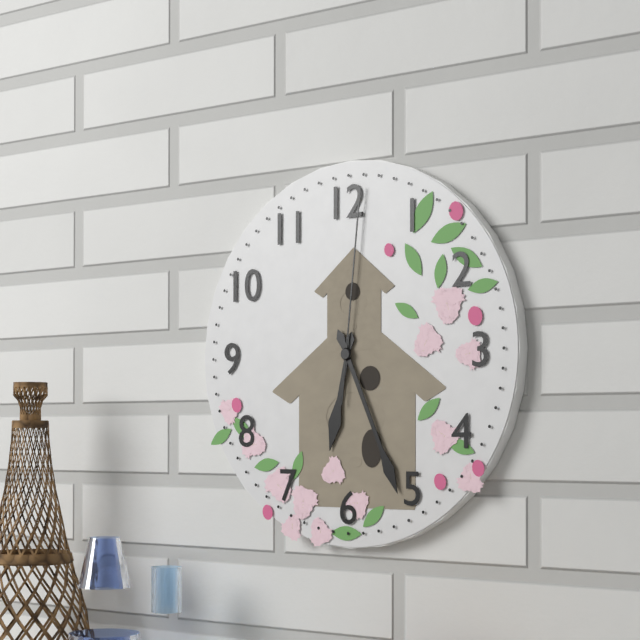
6:26:01
